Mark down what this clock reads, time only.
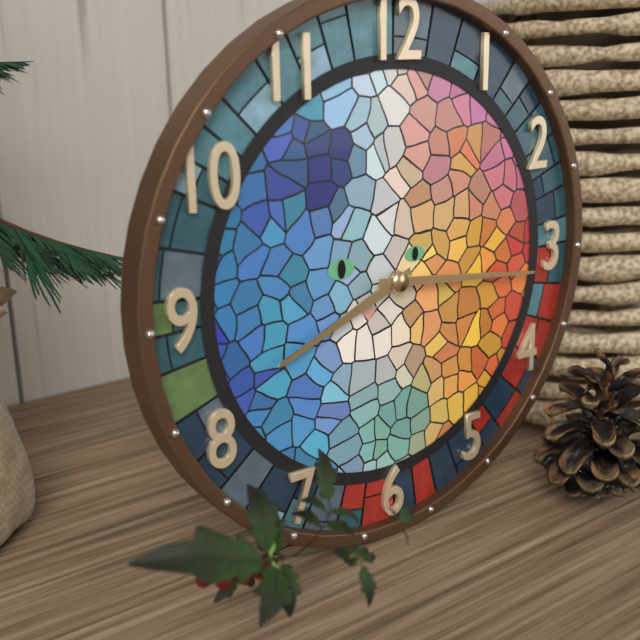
8:16
